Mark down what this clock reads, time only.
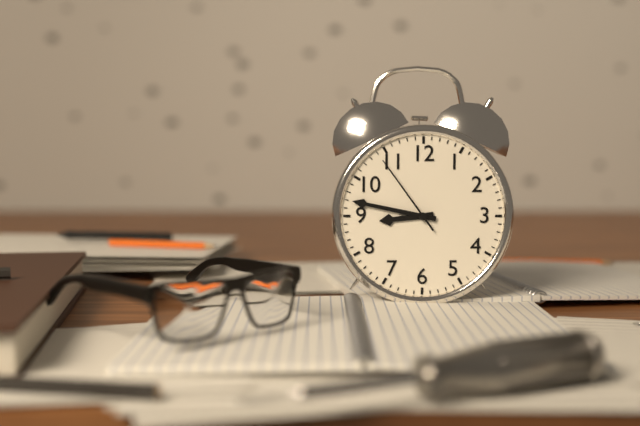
8:47:54
